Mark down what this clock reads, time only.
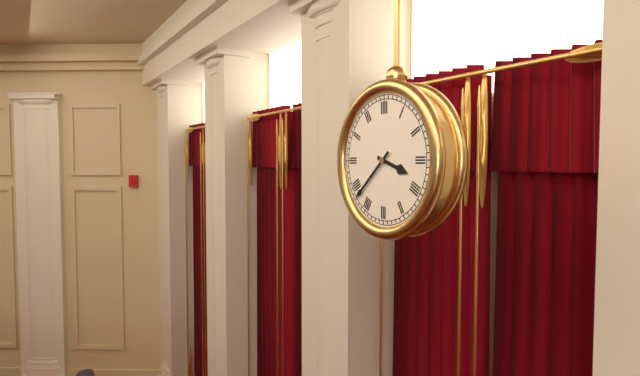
3:38
